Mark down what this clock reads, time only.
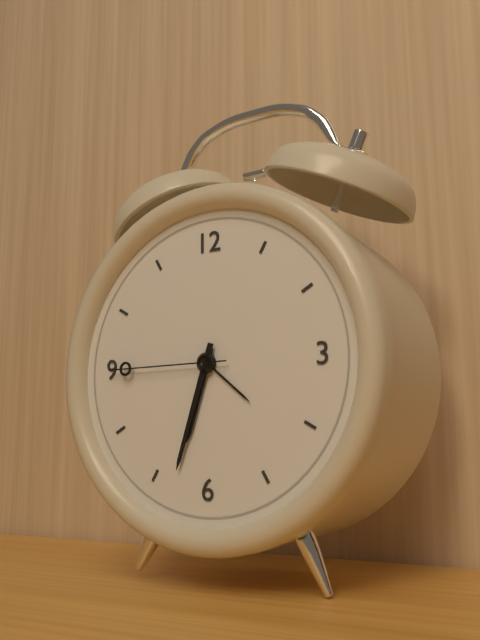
6:33:45
